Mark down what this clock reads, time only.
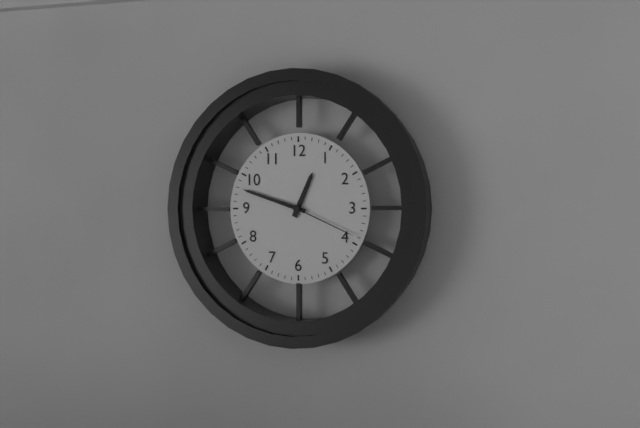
12:48:19
